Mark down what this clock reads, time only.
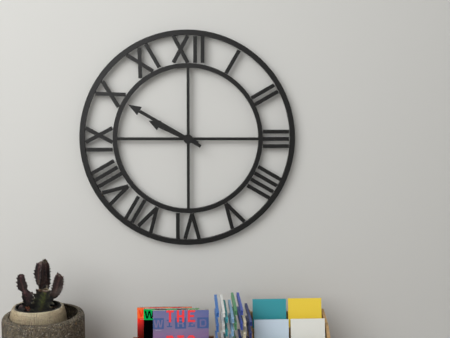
9:50
